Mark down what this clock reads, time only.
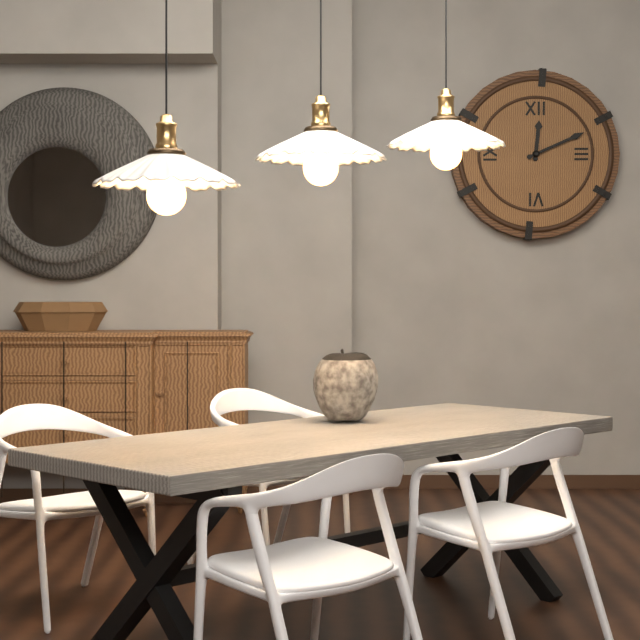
12:11
